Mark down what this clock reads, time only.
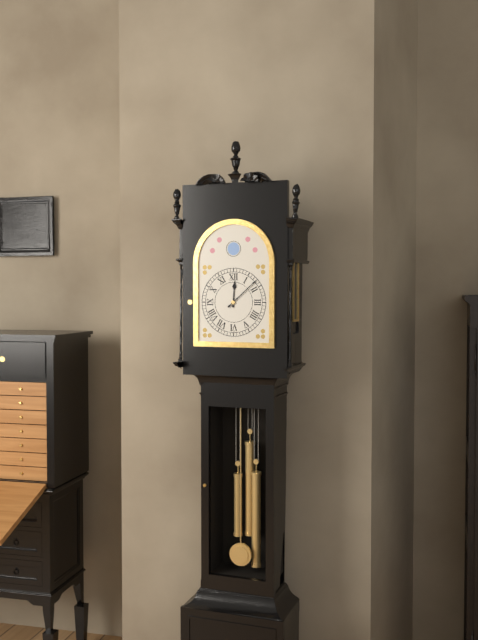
12:08
